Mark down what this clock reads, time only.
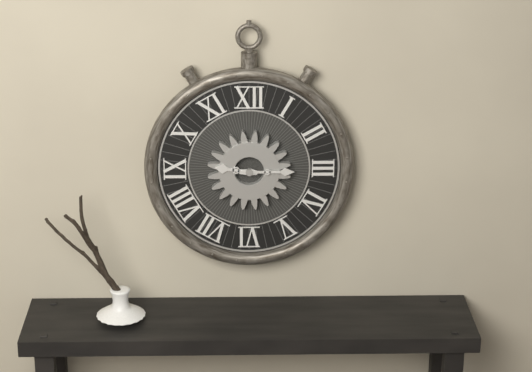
9:15
